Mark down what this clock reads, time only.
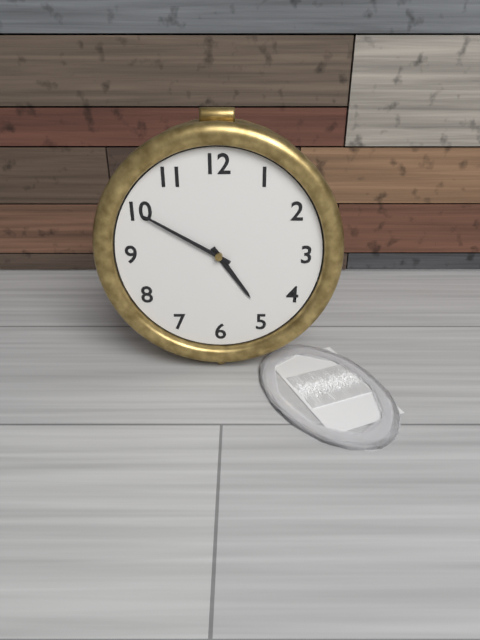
4:50
